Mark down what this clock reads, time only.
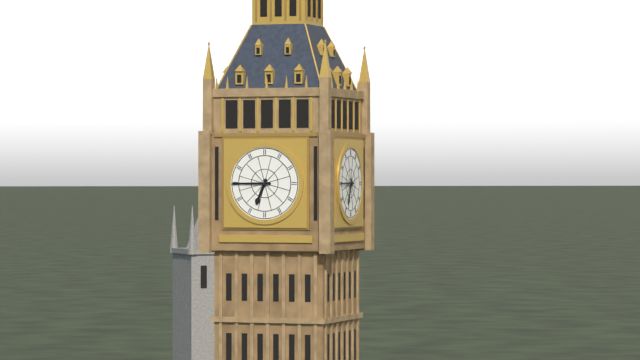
6:45
